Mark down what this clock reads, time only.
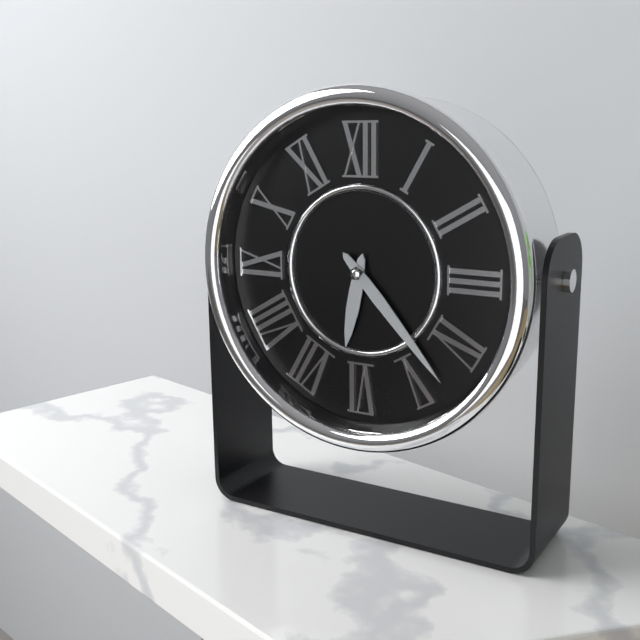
6:23
